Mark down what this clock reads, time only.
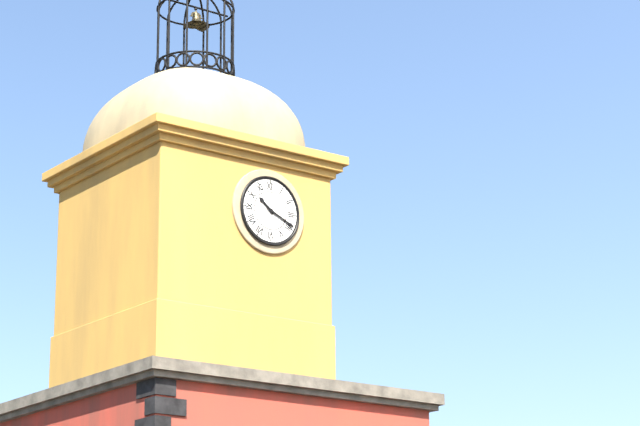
10:19
